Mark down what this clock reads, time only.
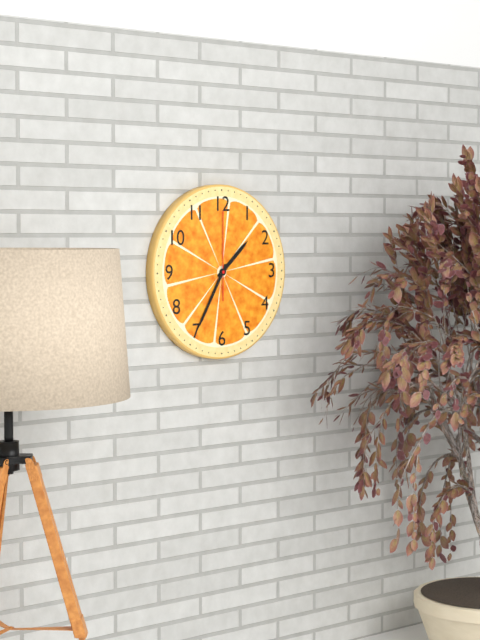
1:35:00
